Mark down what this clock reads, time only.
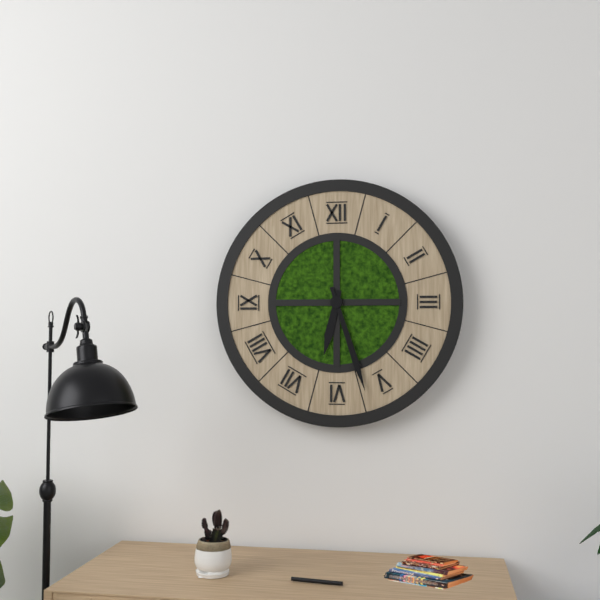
6:27
